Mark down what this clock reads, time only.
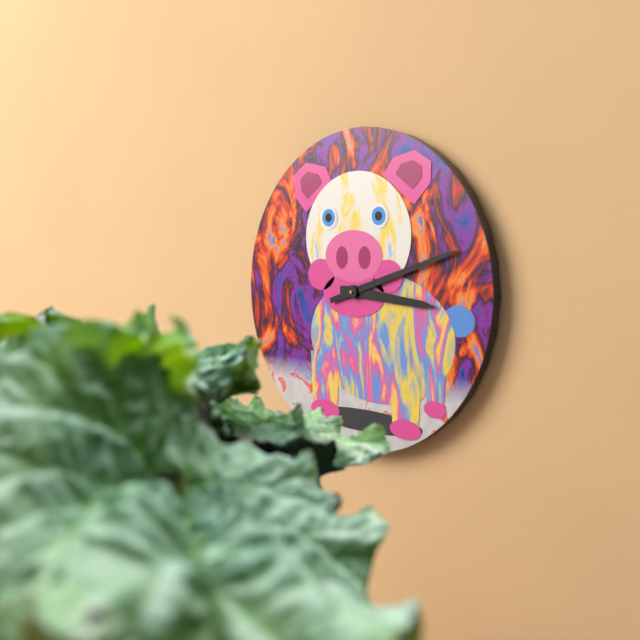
3:12
